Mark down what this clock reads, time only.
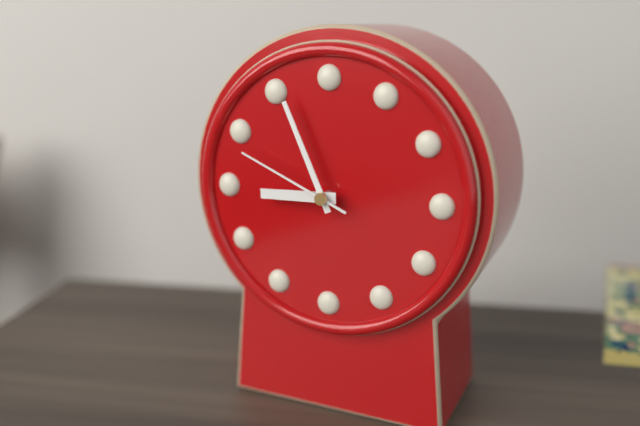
8:56:49
